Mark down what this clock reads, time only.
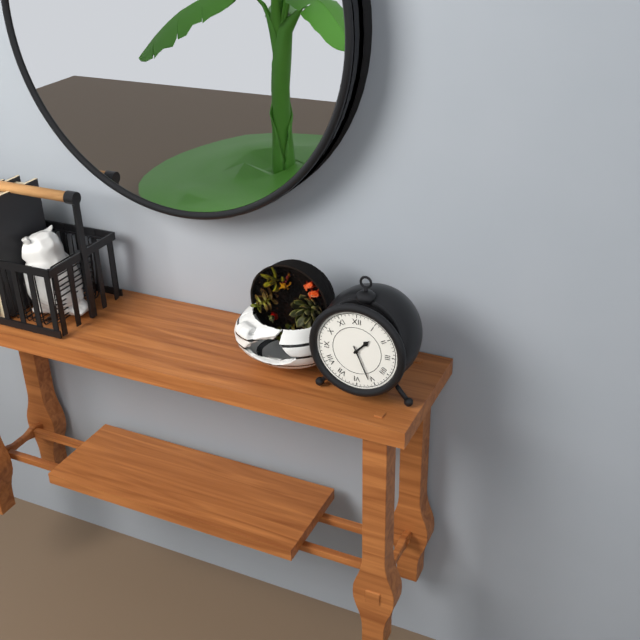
1:26
